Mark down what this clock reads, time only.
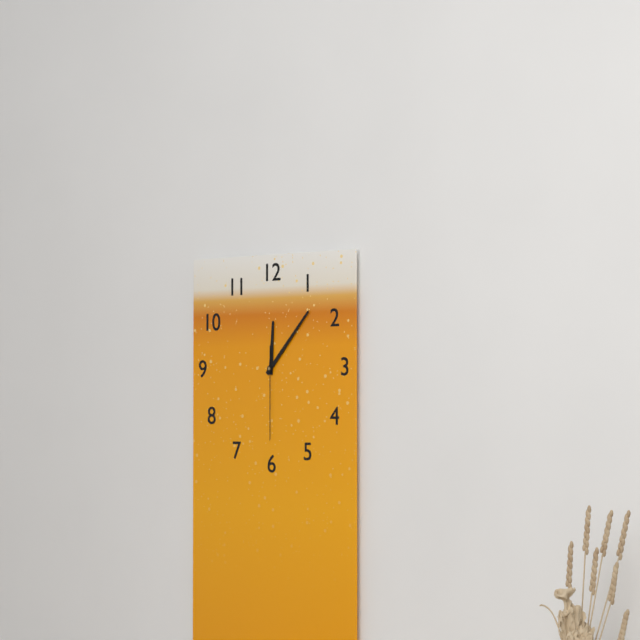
12:07:30
